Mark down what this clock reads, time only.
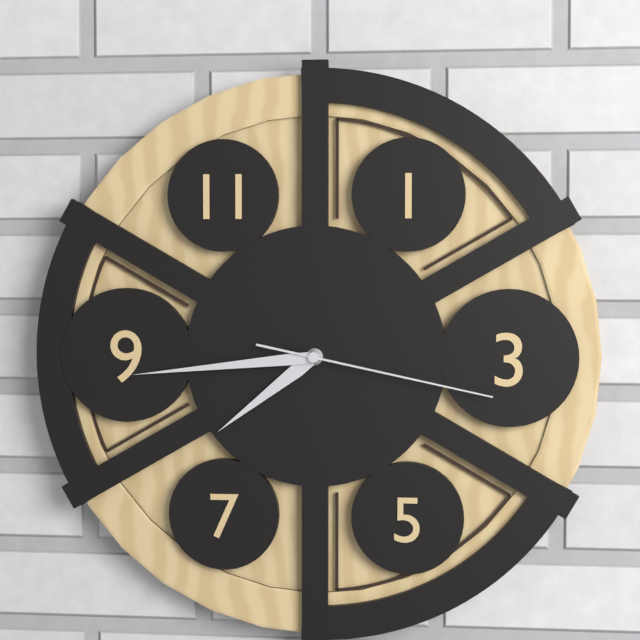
7:44:17
